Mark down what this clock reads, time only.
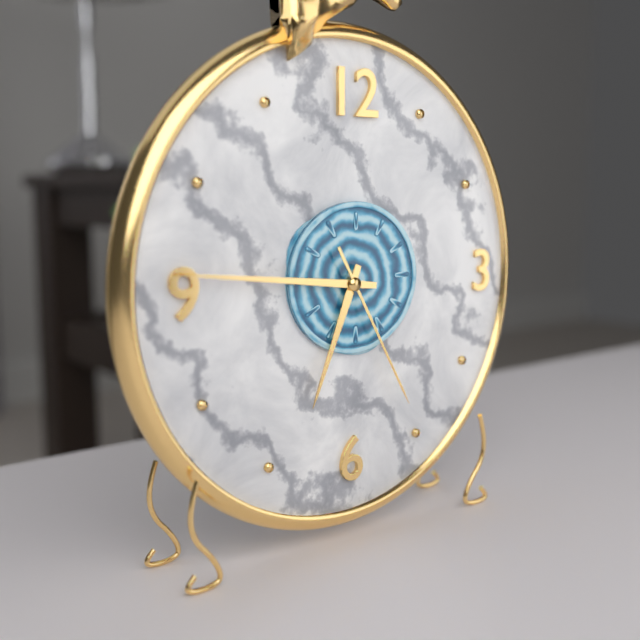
6:46:25
